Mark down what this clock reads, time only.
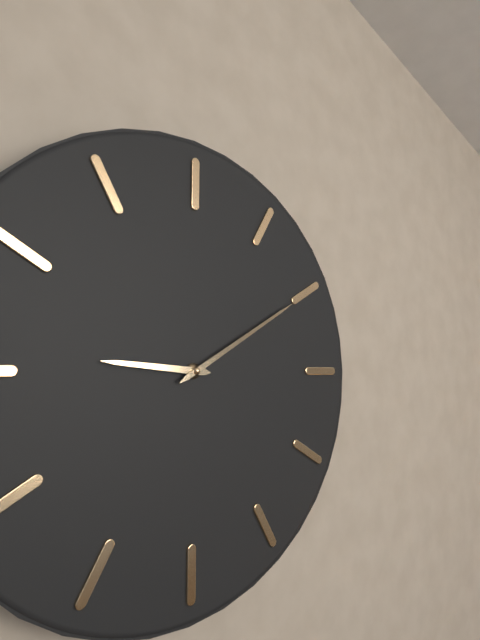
9:10
